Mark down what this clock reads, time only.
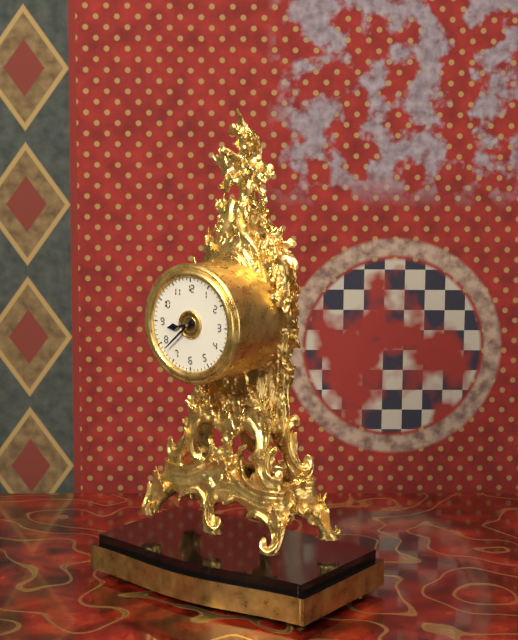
8:38
